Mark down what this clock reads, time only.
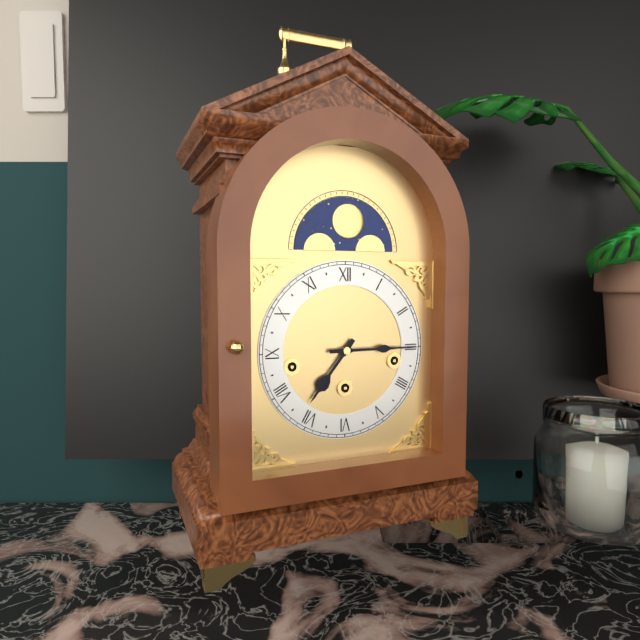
7:15
